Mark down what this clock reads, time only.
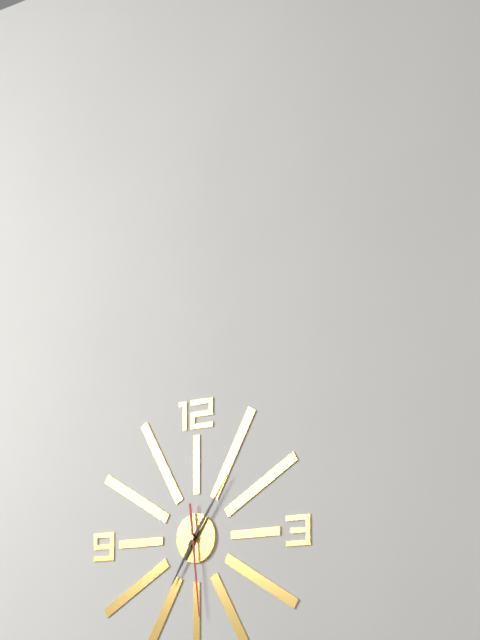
7:06:29
